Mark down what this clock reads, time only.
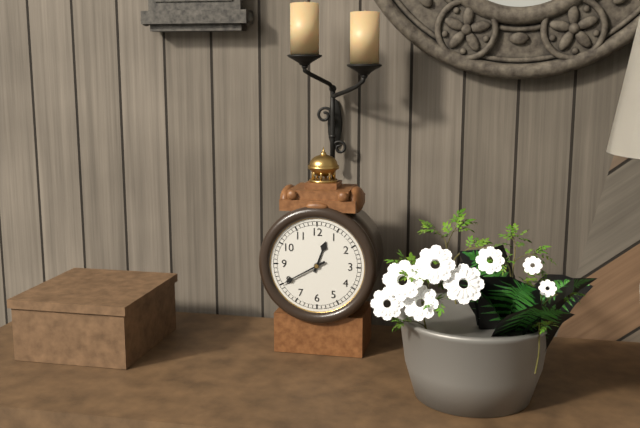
12:40
